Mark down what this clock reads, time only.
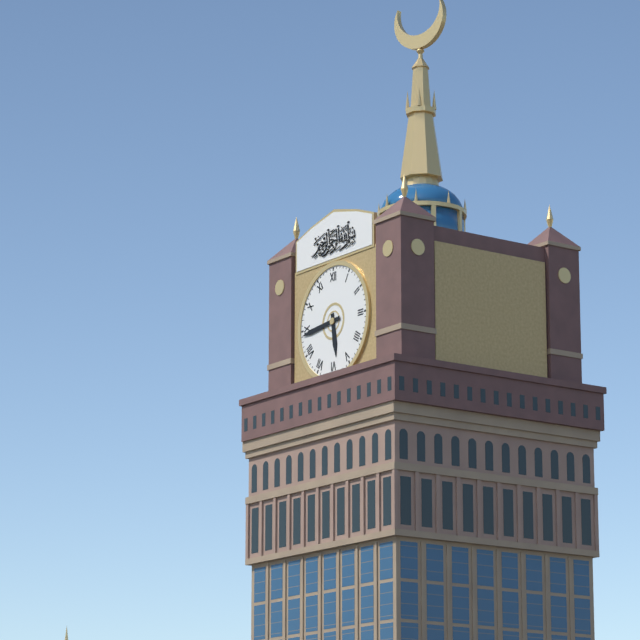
5:44
